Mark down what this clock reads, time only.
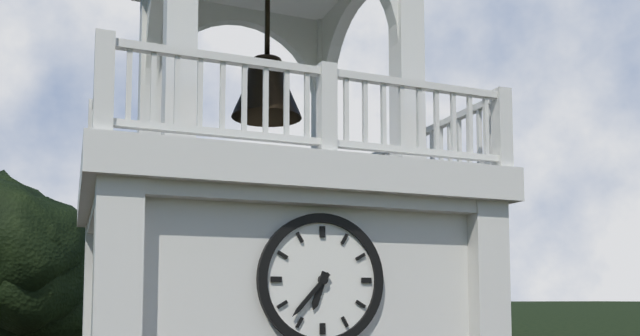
6:37
